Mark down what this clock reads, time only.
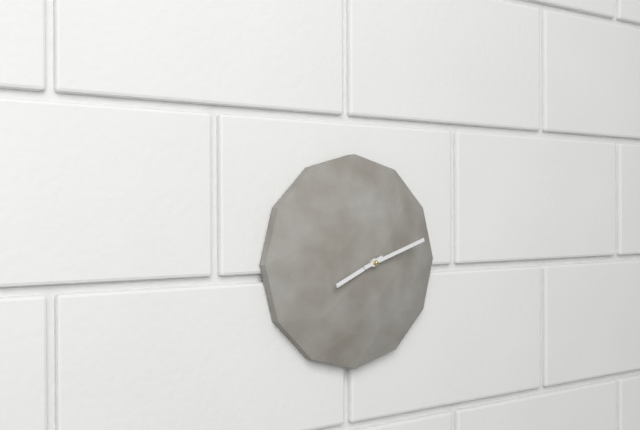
8:12
